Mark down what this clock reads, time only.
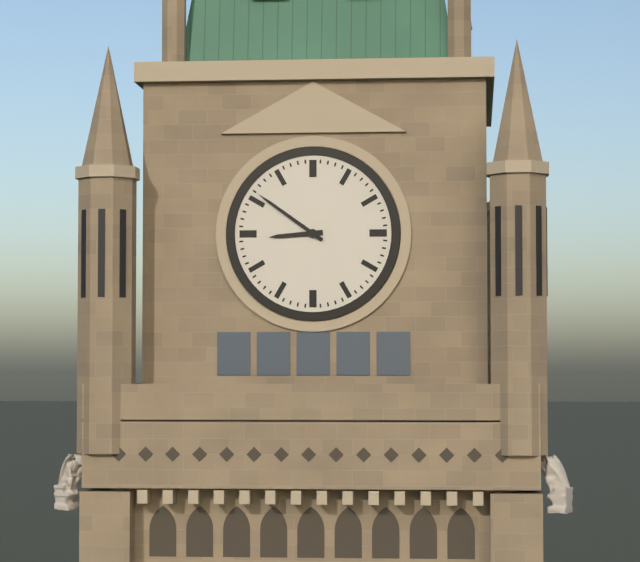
8:51
